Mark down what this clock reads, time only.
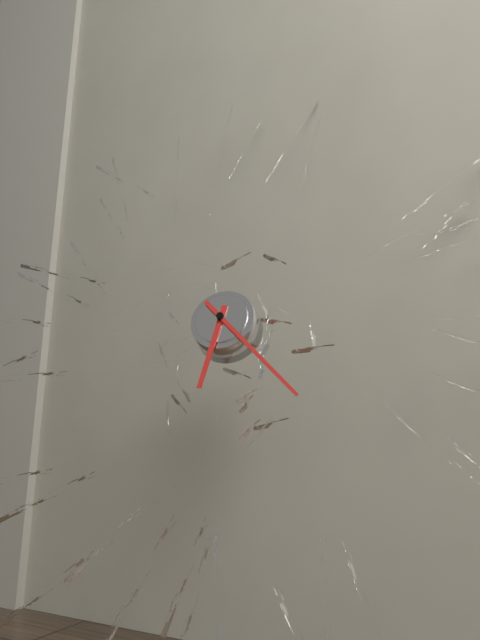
6:23
